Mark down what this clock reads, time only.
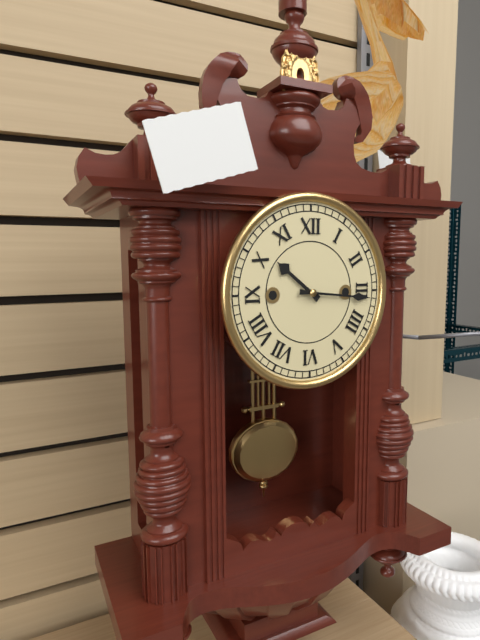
10:16
